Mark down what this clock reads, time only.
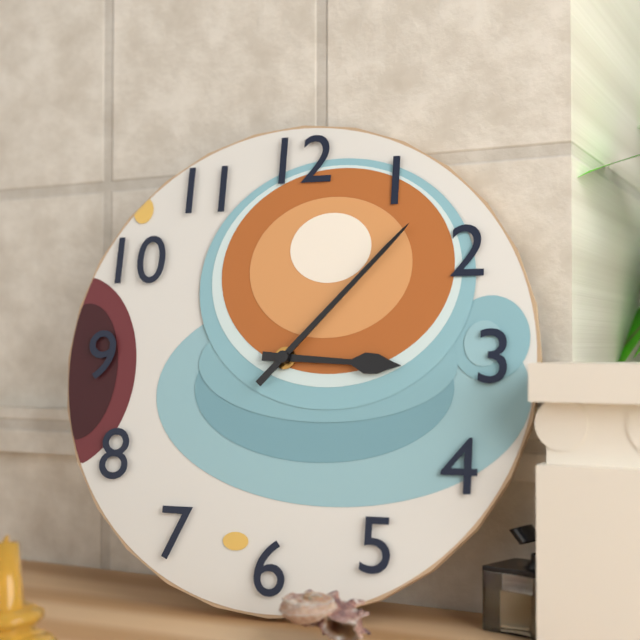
3:07
